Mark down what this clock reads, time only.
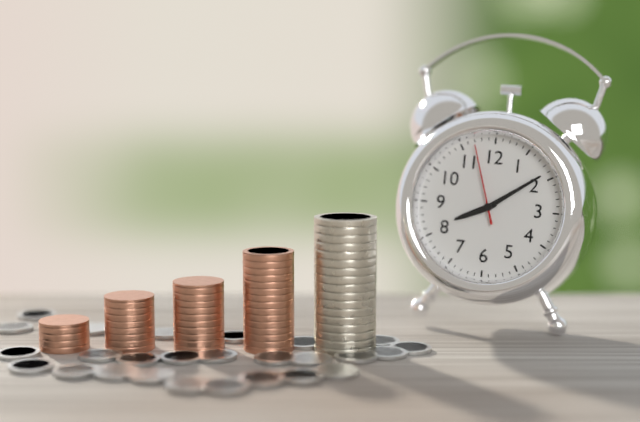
8:09:57
